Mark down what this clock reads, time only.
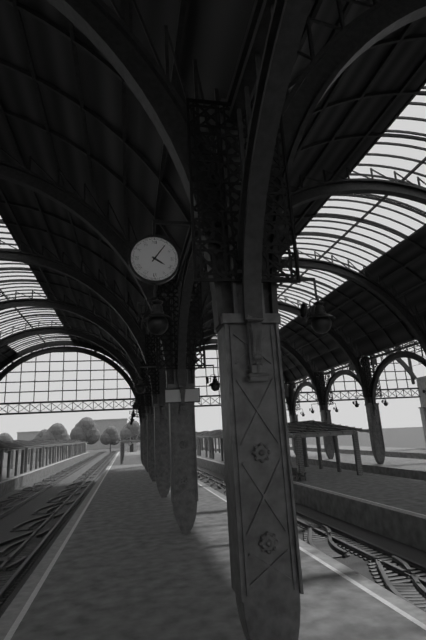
4:06
